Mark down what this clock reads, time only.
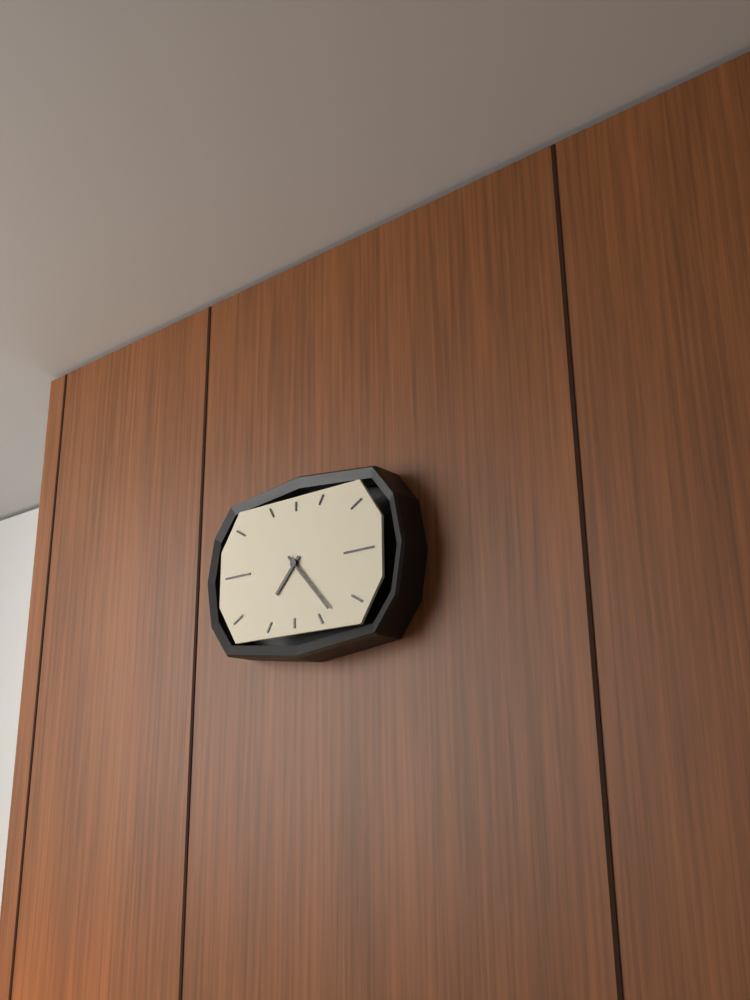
7:23
